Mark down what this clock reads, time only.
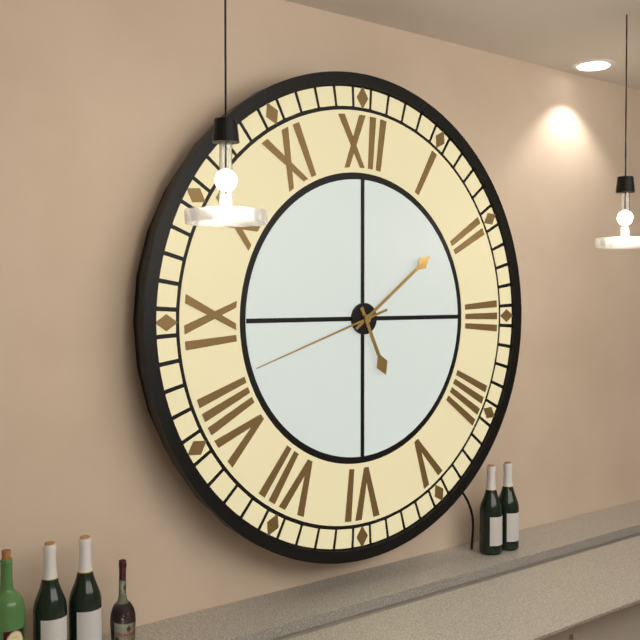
5:09:42
